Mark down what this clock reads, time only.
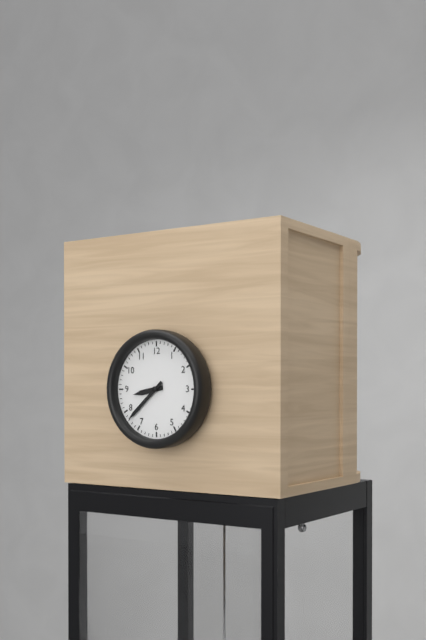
8:38
